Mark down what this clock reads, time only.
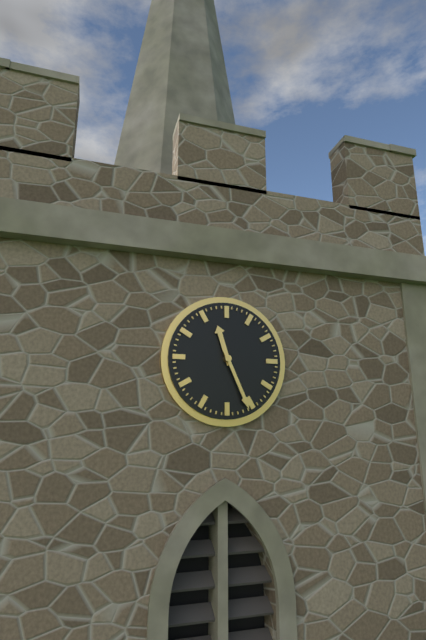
11:26
